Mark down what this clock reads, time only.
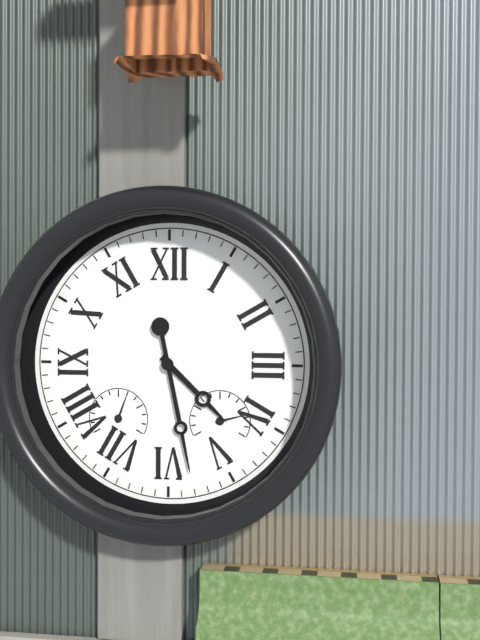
4:28
